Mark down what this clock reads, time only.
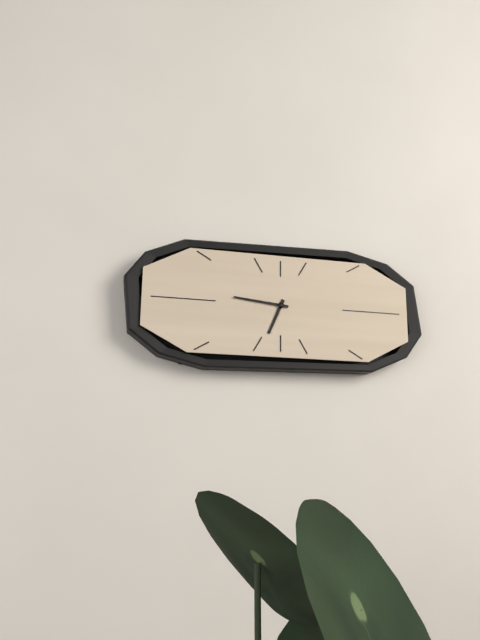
6:46
